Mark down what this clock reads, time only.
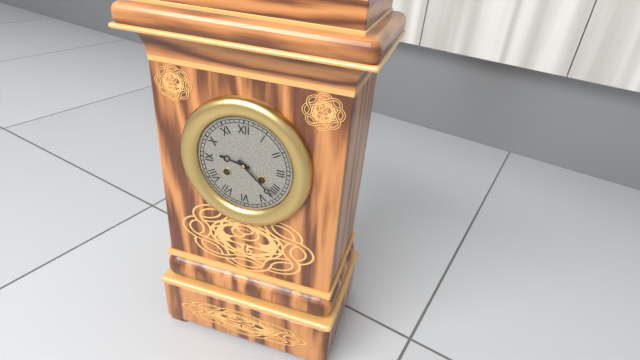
9:22
